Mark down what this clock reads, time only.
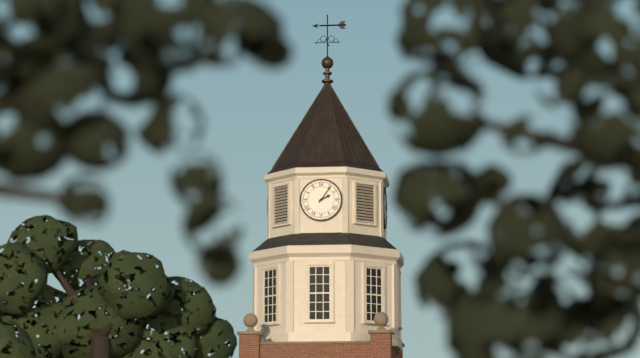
2:06
